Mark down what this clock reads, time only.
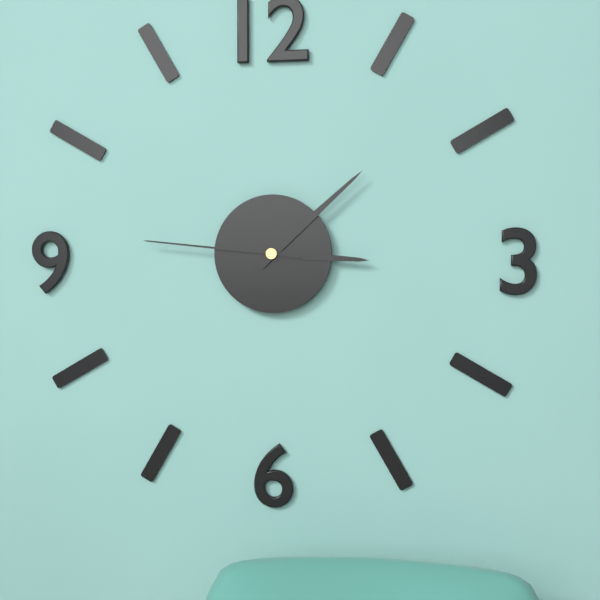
3:08:46
